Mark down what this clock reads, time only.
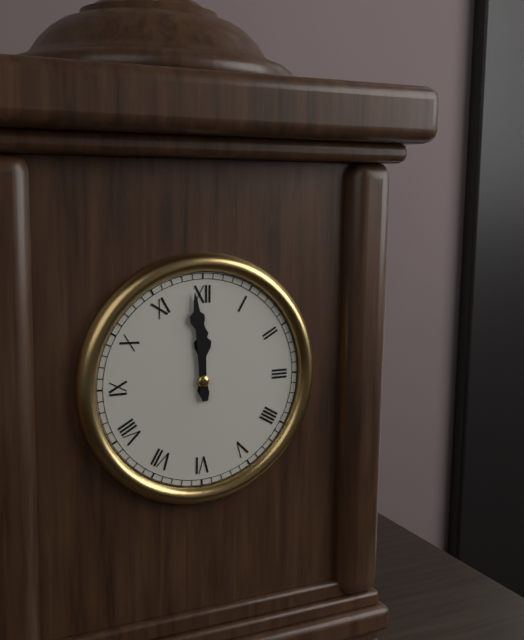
11:59
